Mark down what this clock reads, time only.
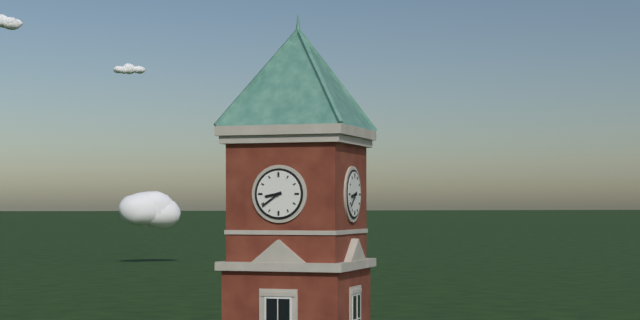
8:39
